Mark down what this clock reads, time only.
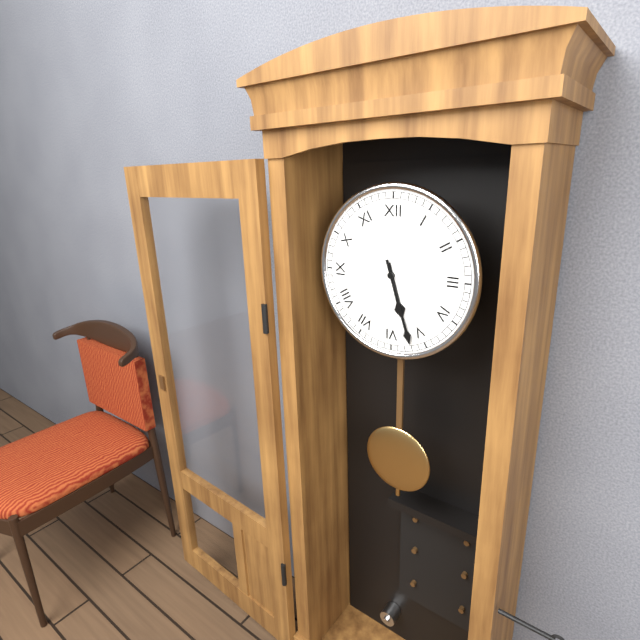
5:27
